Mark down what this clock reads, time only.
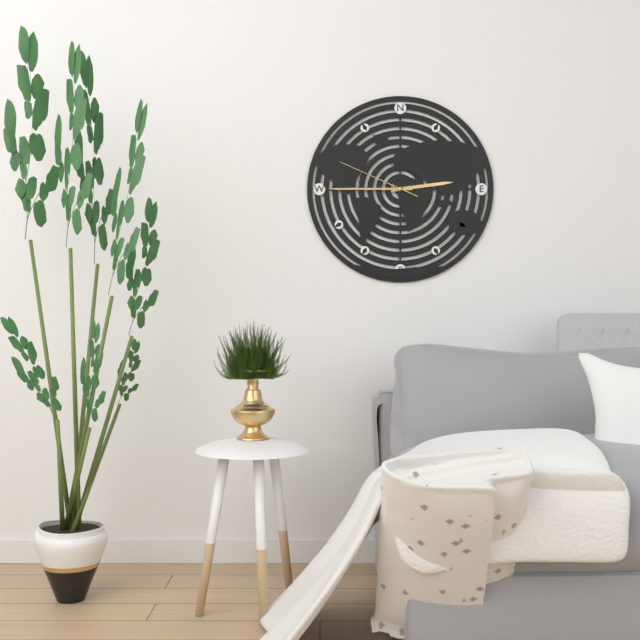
2:45:49
